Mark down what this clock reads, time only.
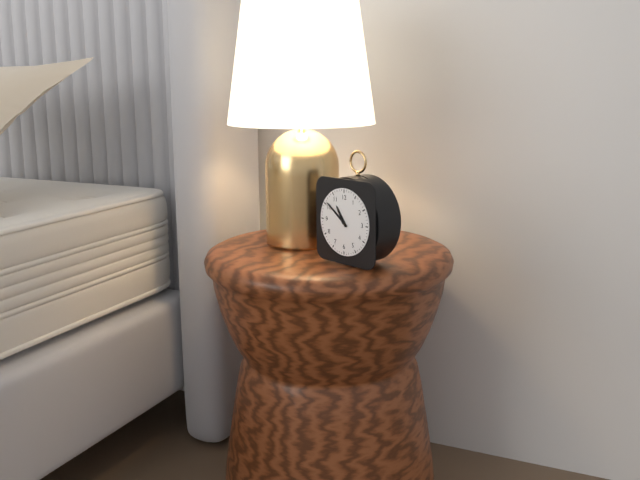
10:51
